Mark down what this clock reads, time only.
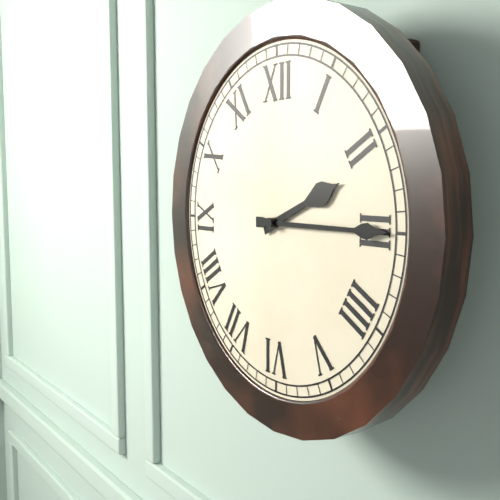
2:15
